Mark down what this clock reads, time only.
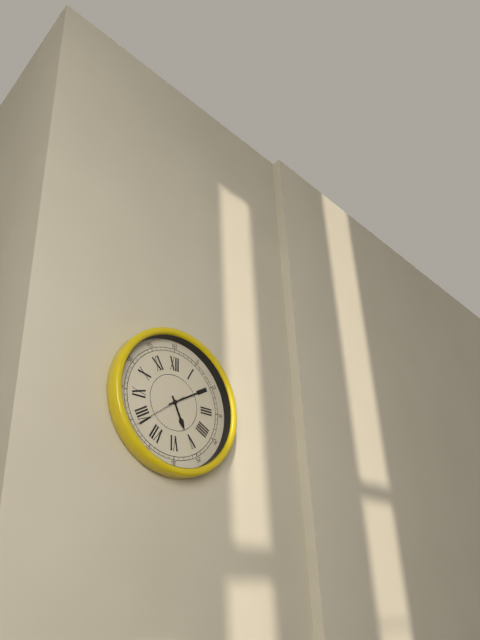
5:10:39
